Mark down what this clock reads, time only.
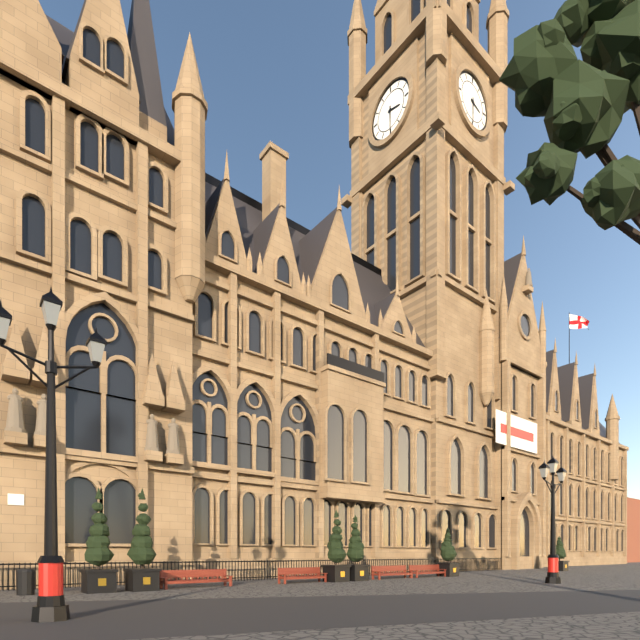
3:30
